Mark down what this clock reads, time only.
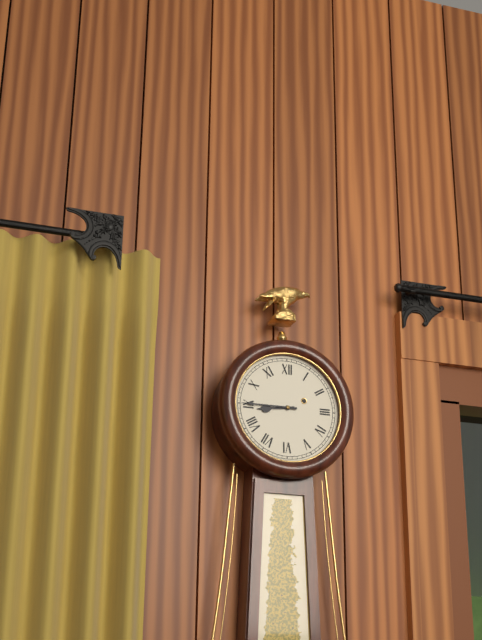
8:45
